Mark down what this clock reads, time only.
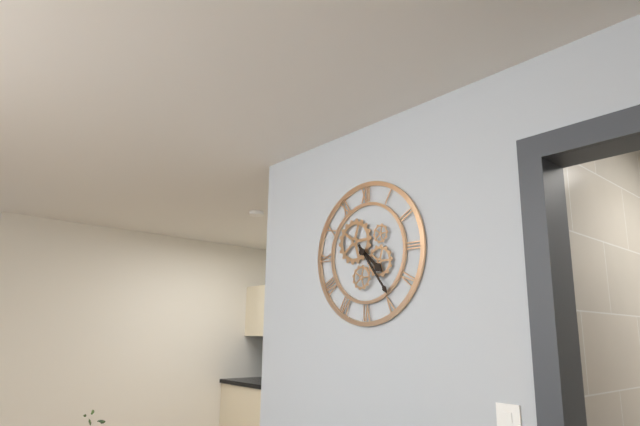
4:24
